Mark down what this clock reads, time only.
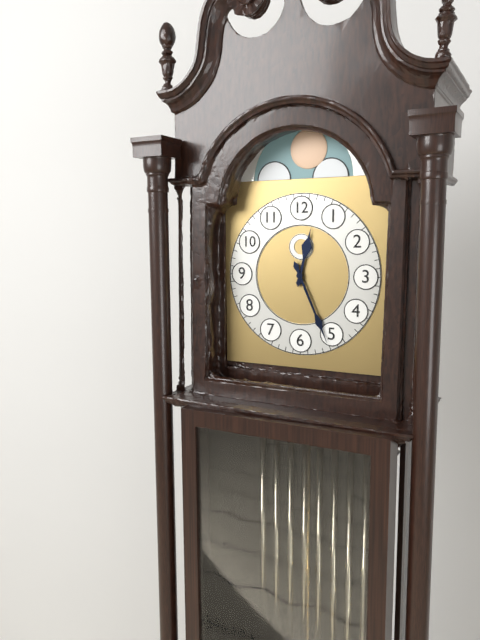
12:26
